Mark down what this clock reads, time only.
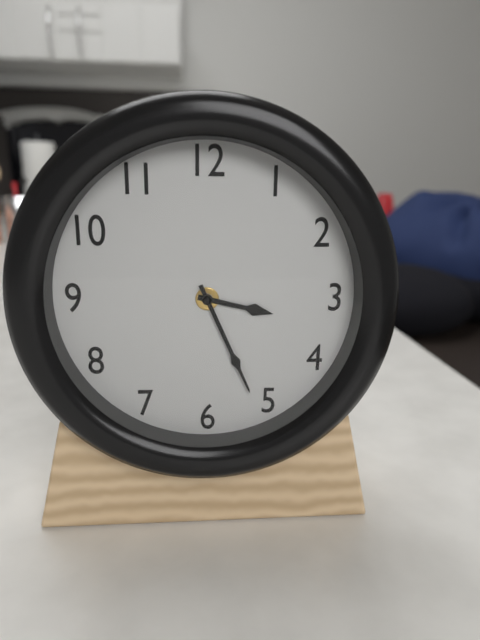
3:26
